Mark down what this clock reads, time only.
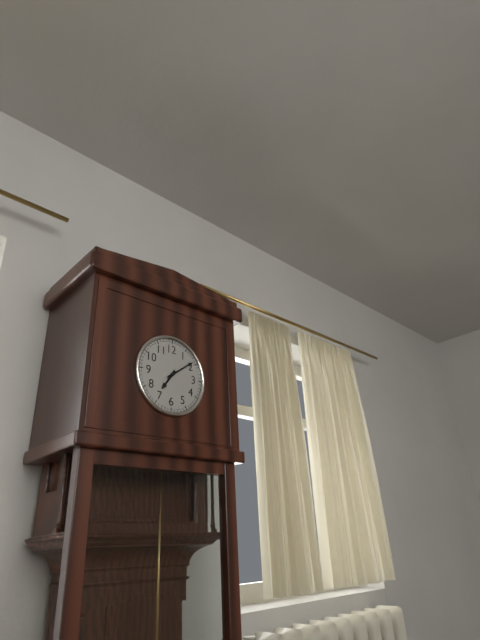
7:09
